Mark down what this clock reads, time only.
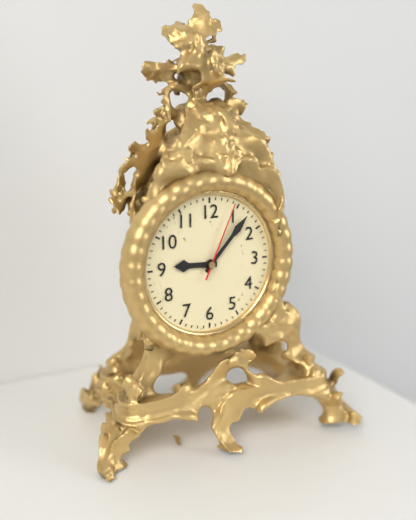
9:07:04
